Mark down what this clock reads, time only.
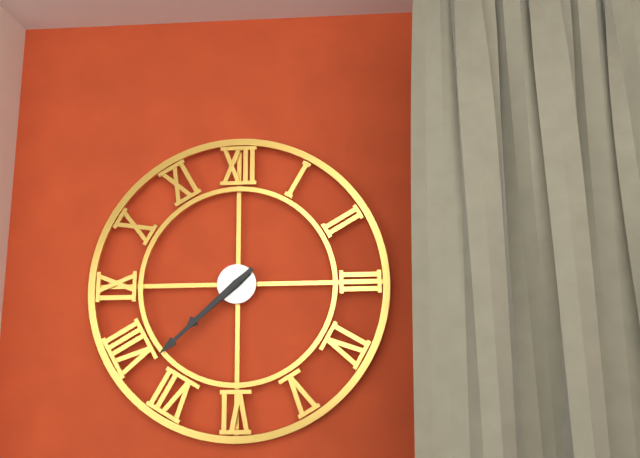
7:38
